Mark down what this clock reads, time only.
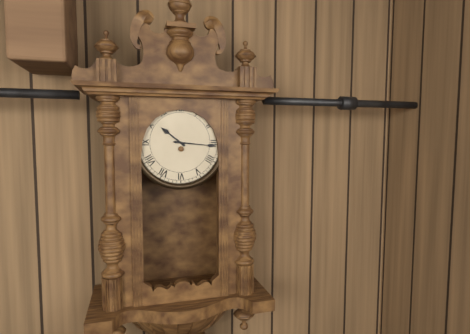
10:16
